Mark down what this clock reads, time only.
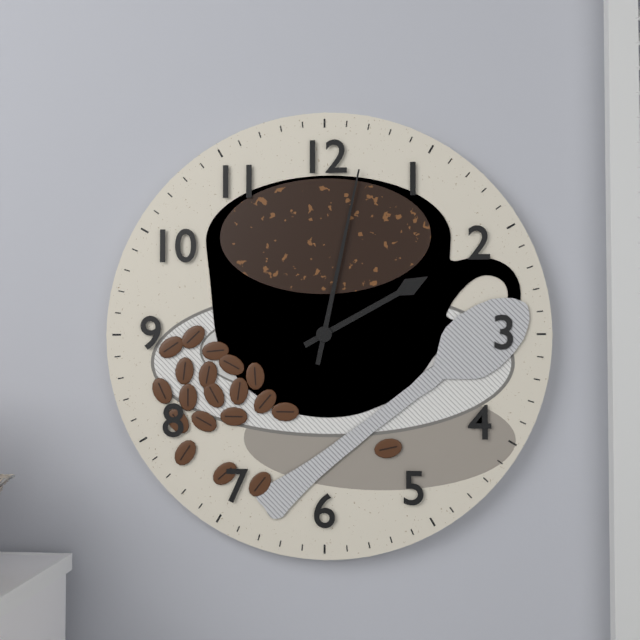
2:02
